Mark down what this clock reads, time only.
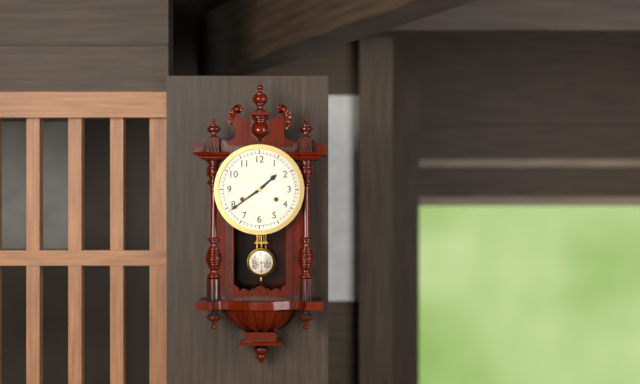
1:39
